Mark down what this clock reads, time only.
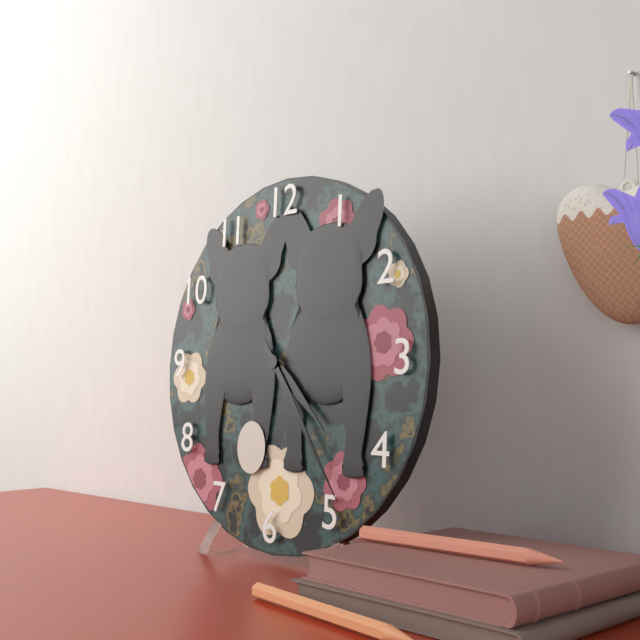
4:24
